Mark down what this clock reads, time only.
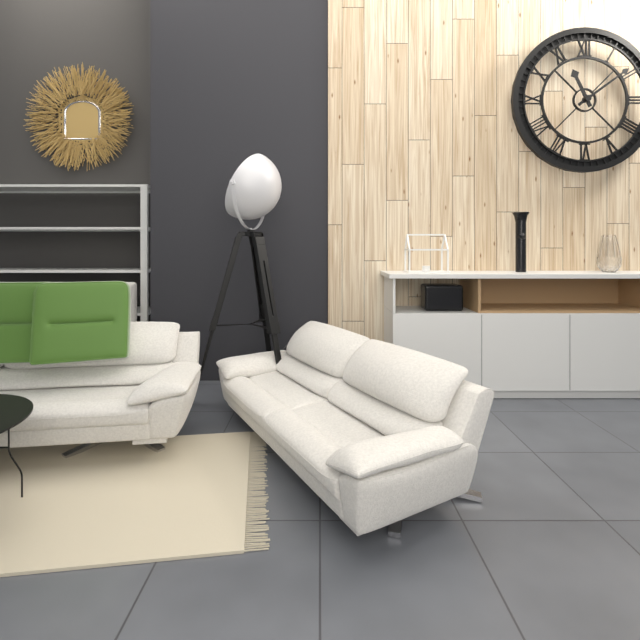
11:09
